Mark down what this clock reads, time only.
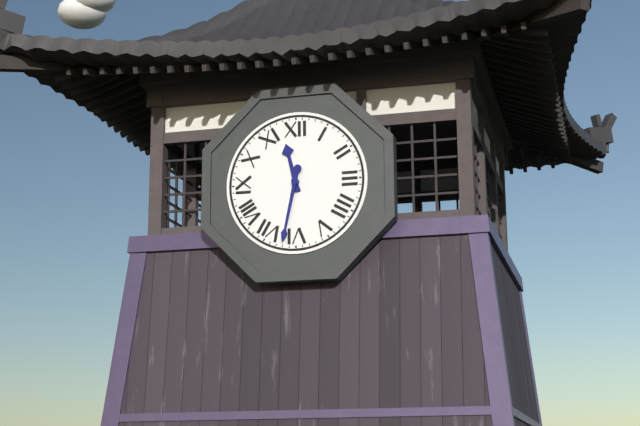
11:32
